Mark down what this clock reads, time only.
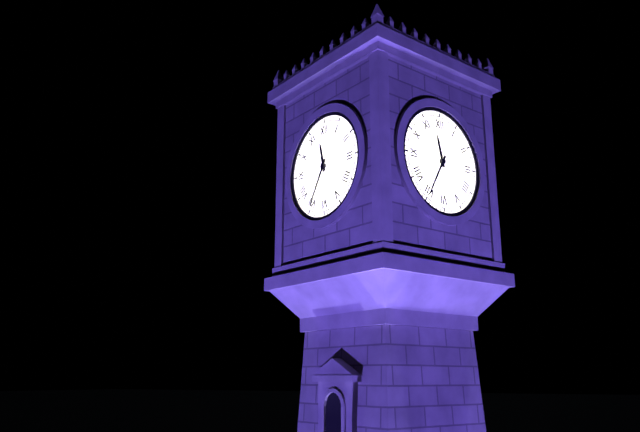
11:35
